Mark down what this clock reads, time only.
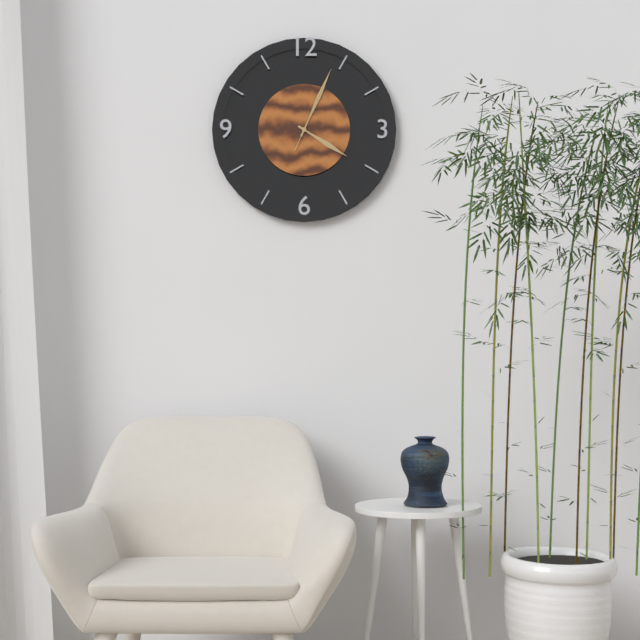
4:04:04
